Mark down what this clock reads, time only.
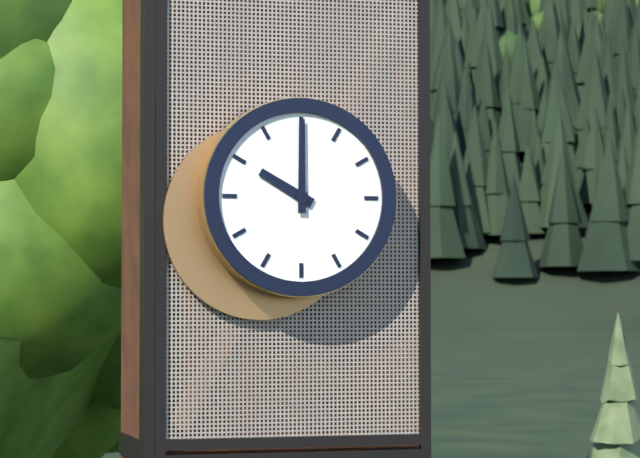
10:00
